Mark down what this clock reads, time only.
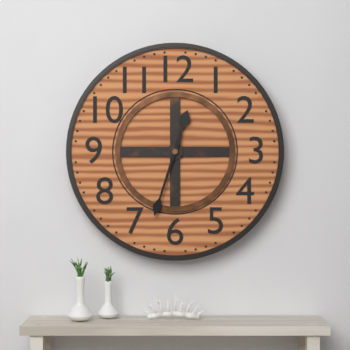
12:33
